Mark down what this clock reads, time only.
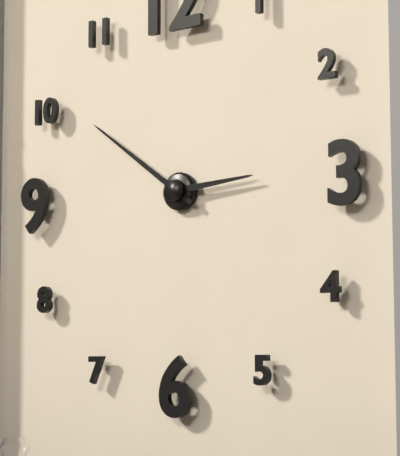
2:51
